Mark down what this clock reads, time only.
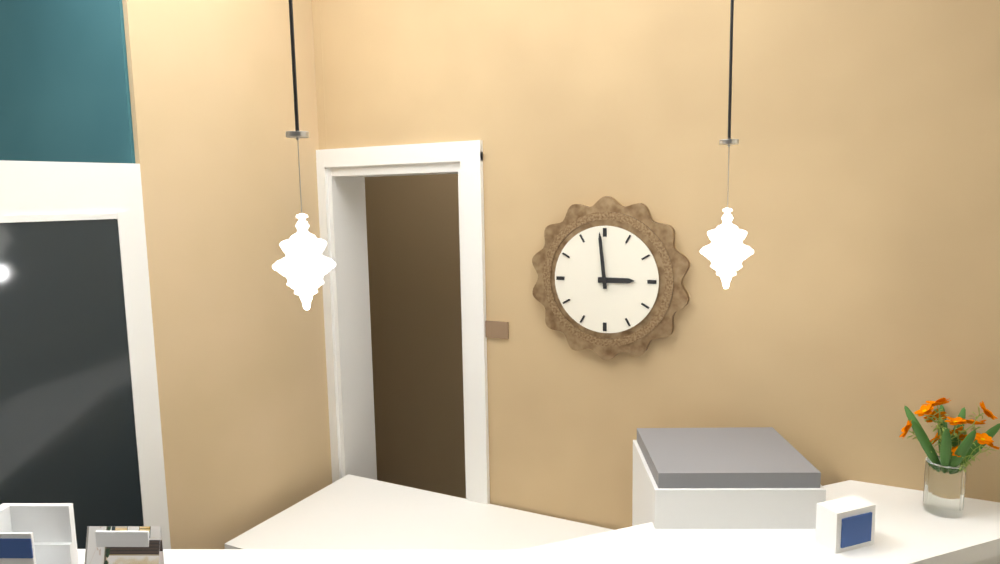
2:59
